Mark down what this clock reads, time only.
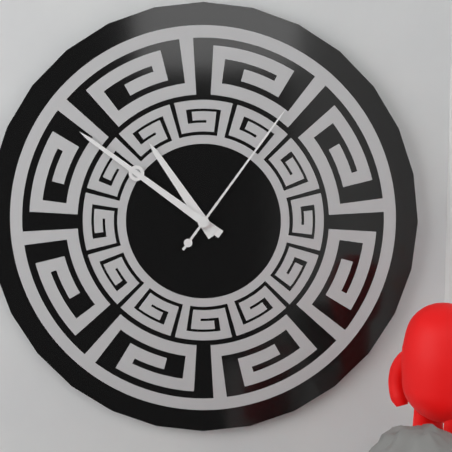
10:51:06
